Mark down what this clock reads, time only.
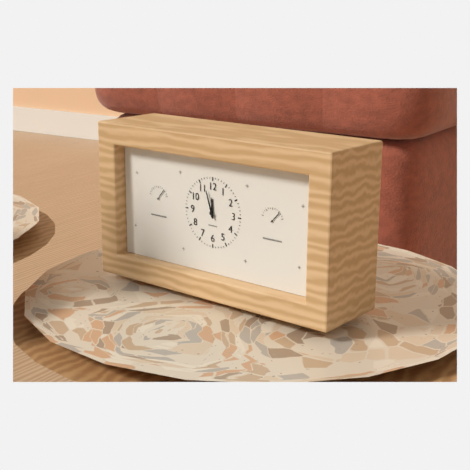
11:57
